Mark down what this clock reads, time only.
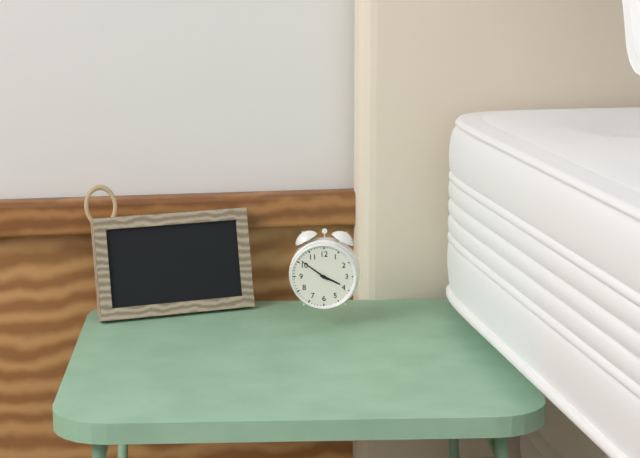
3:51
